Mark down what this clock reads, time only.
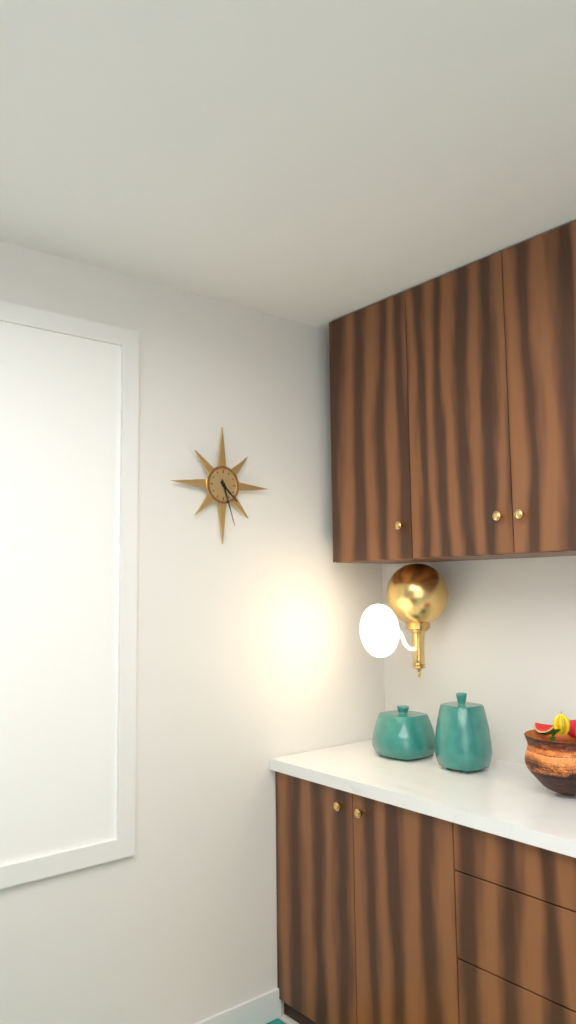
4:27
